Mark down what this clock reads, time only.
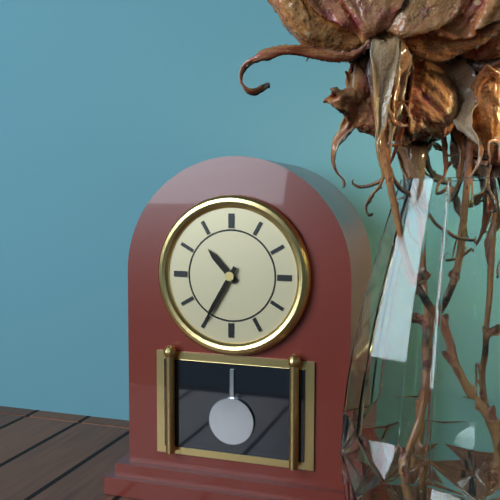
10:35
